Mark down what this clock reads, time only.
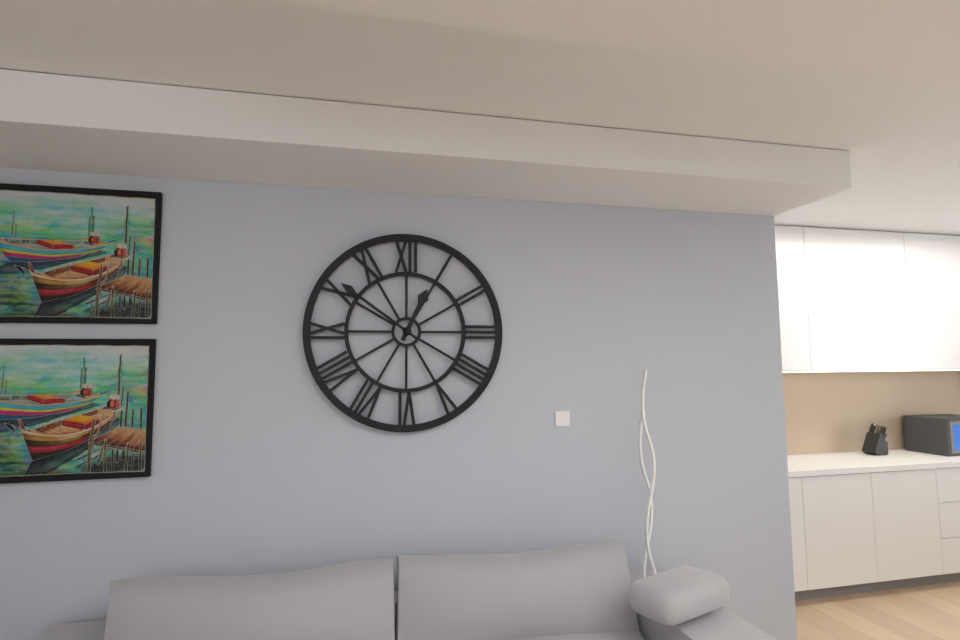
12:51
